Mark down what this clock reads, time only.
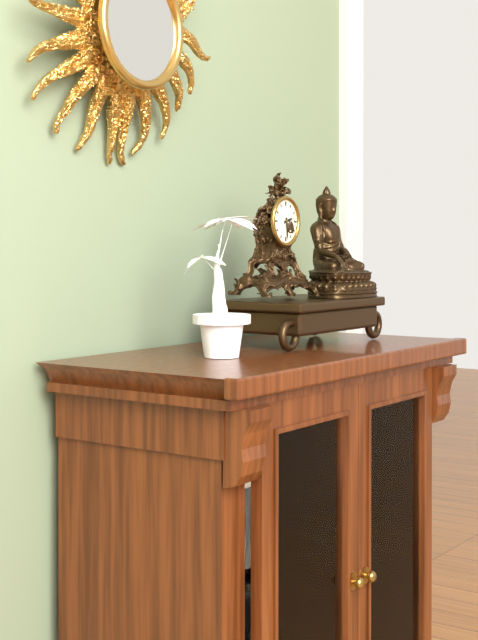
2:29
